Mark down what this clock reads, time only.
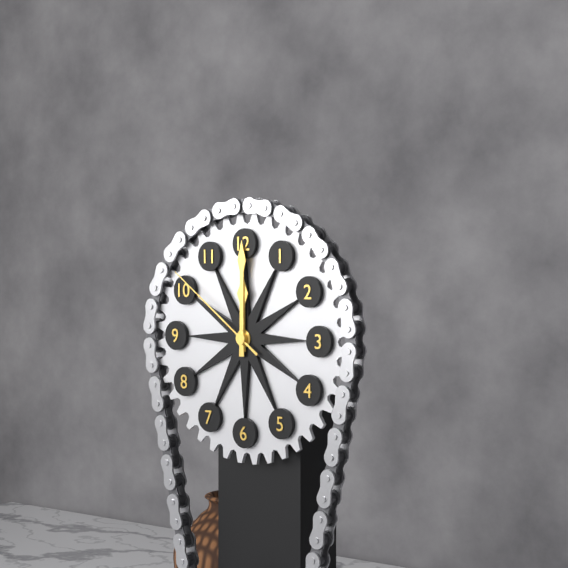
12:00:51
